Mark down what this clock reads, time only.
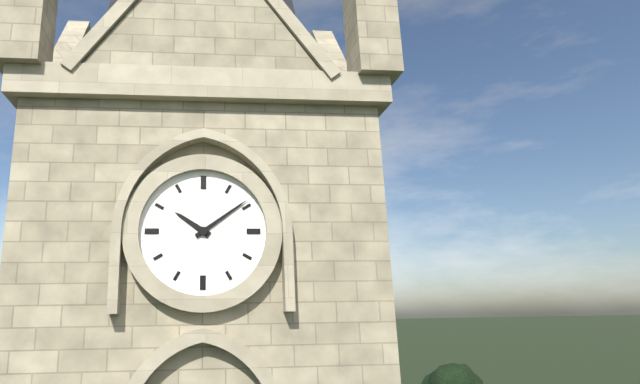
10:09
